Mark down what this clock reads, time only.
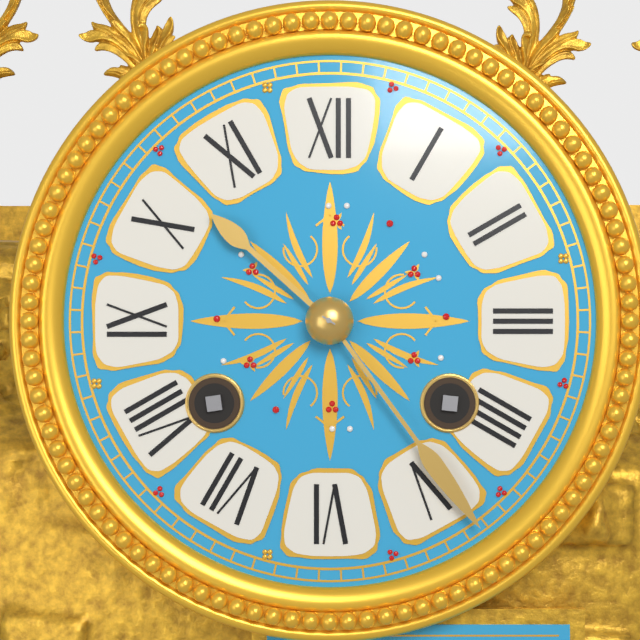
10:24
